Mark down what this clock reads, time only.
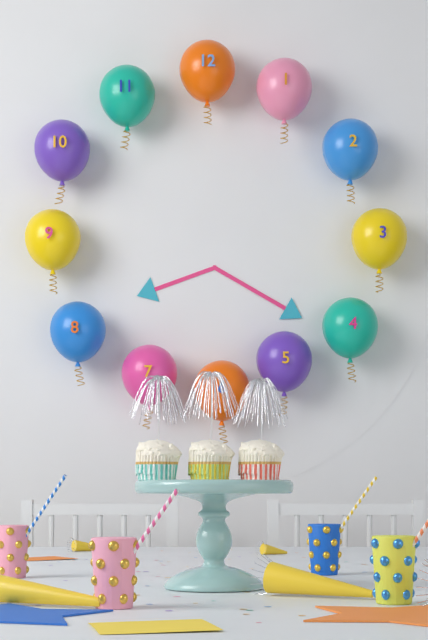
8:20
